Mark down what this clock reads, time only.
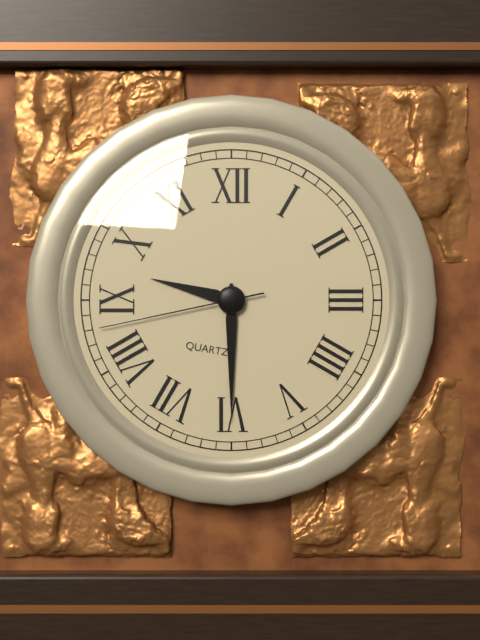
9:30:43
